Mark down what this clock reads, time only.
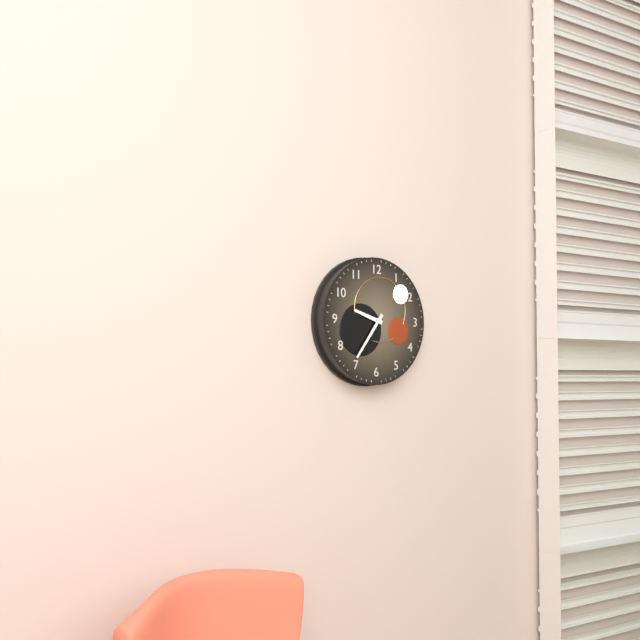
9:36
